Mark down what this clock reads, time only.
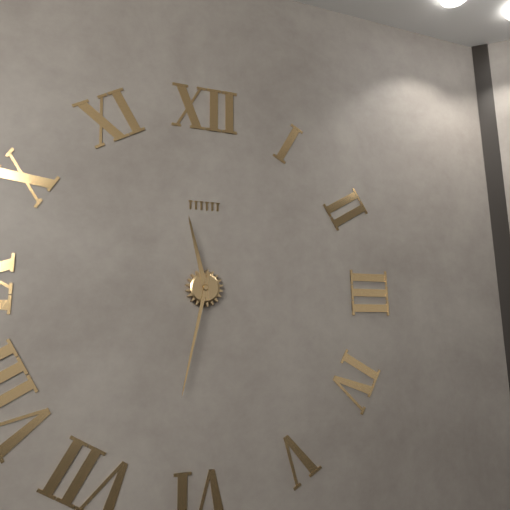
11:32
